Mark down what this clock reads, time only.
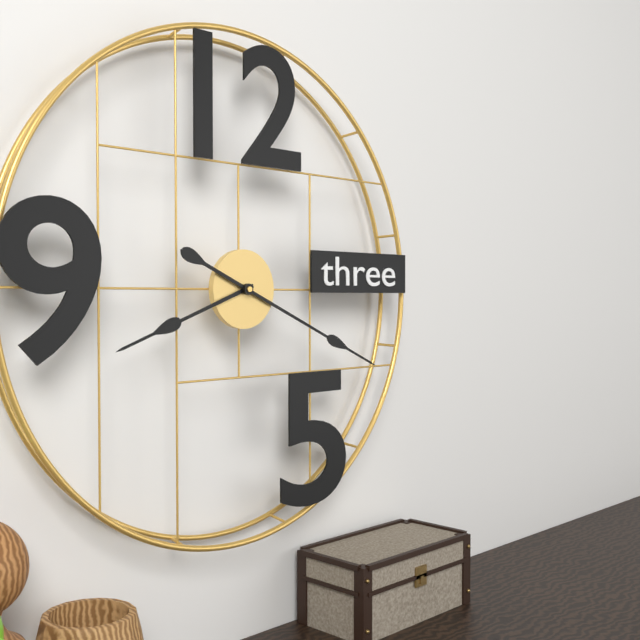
8:19
